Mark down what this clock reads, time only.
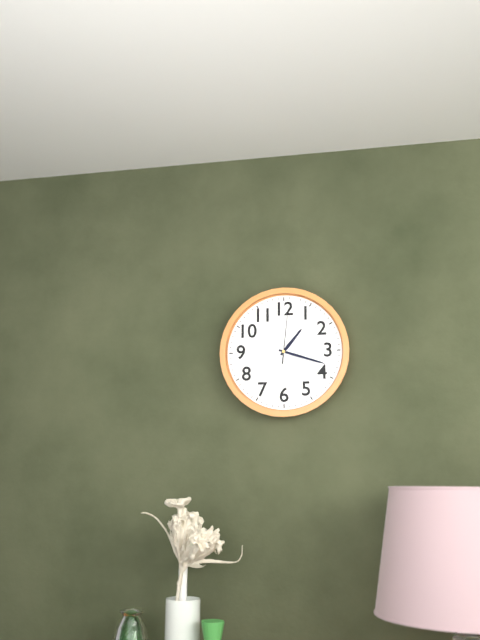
1:18:01
